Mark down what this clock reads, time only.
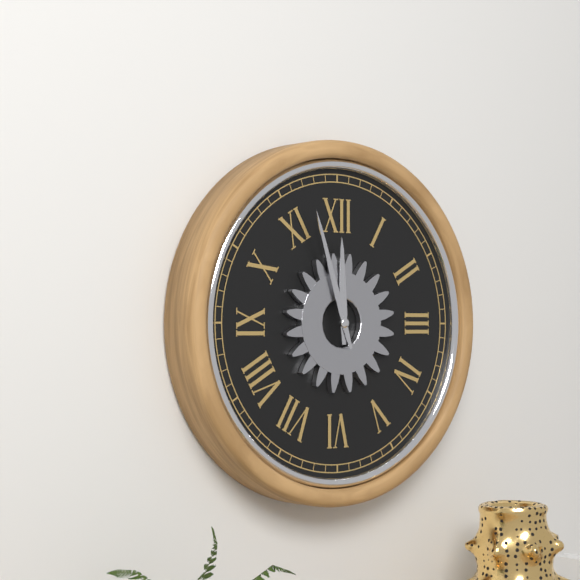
11:57
